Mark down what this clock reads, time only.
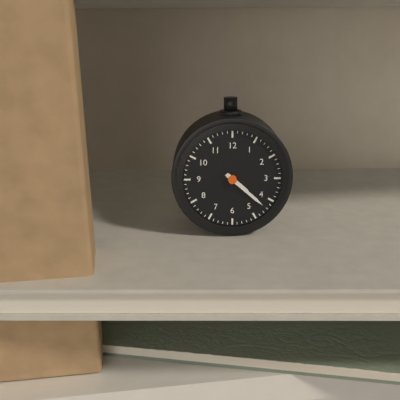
4:22
